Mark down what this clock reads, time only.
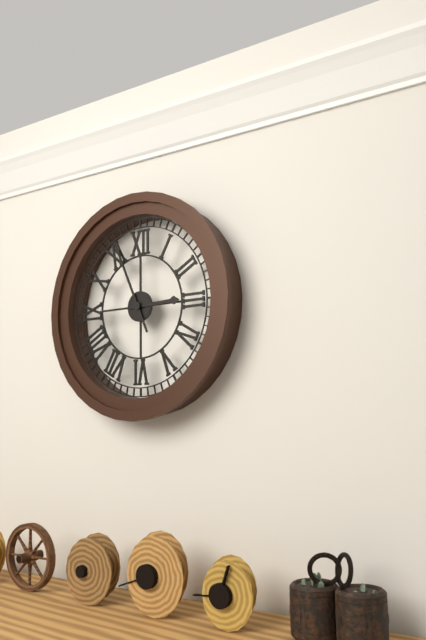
2:56
